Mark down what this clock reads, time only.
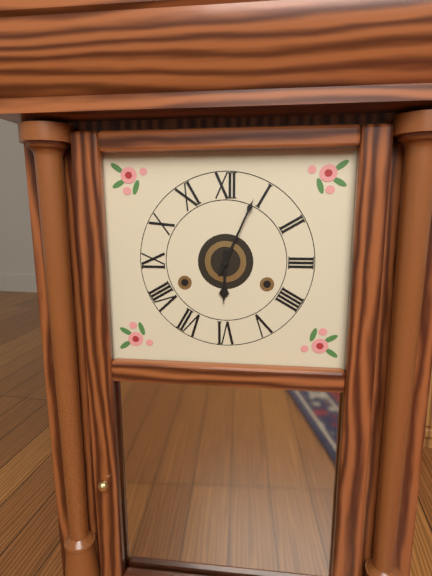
6:04
